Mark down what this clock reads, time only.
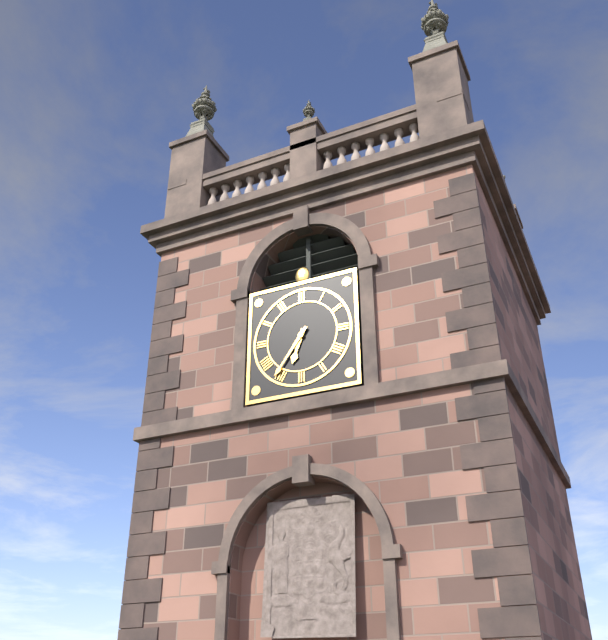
6:36
